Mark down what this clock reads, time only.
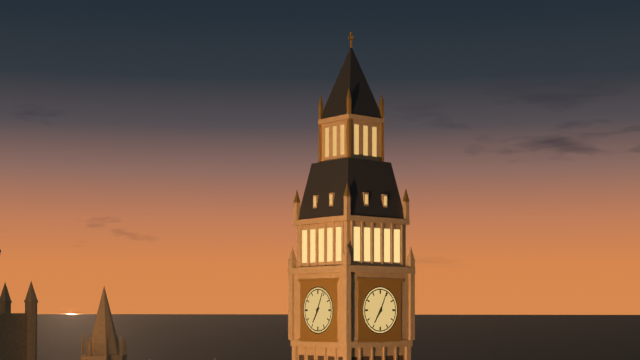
7:04
